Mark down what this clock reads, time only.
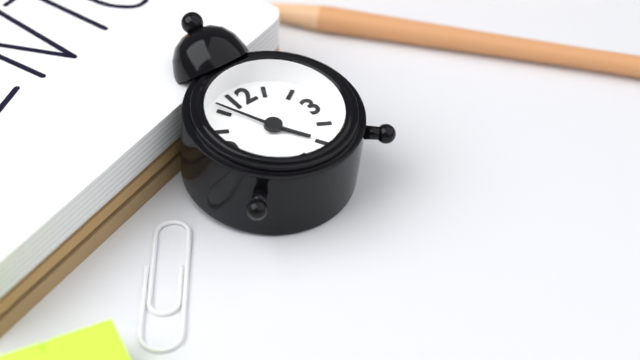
4:56
